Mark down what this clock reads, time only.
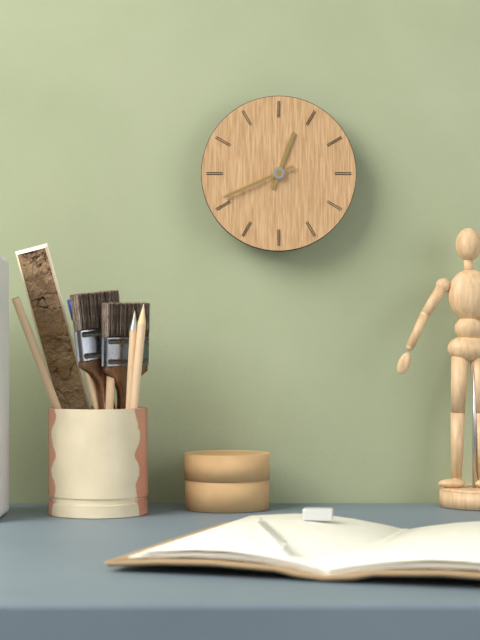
12:41
